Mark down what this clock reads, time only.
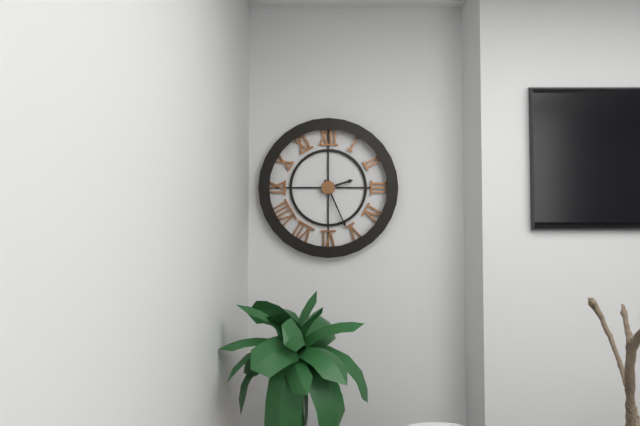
2:26
